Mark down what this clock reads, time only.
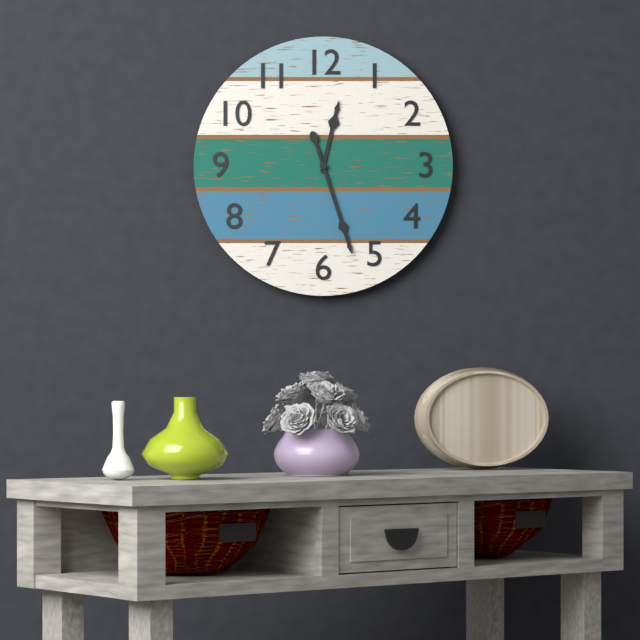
12:27
